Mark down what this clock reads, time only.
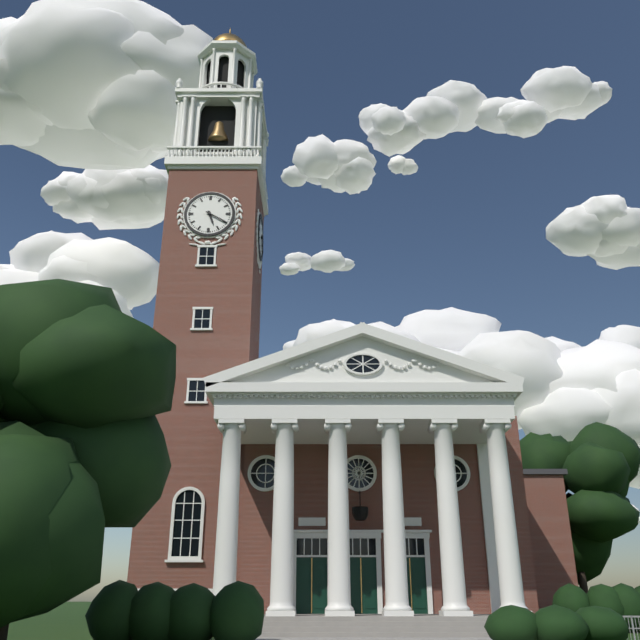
5:20
